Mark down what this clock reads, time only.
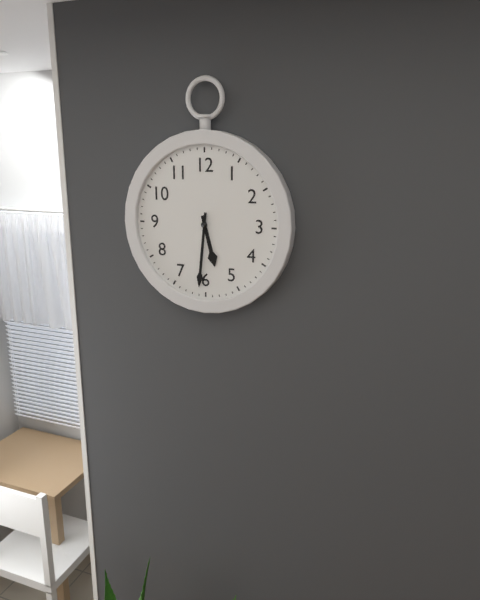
5:31
